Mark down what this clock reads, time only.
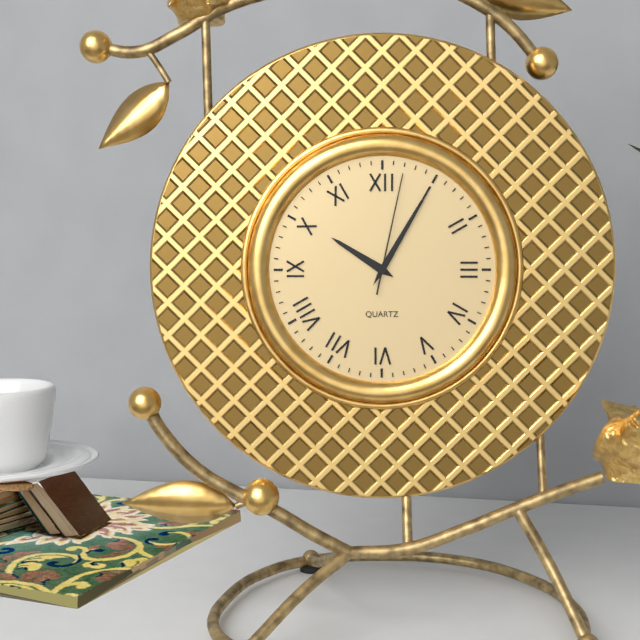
10:05:02
